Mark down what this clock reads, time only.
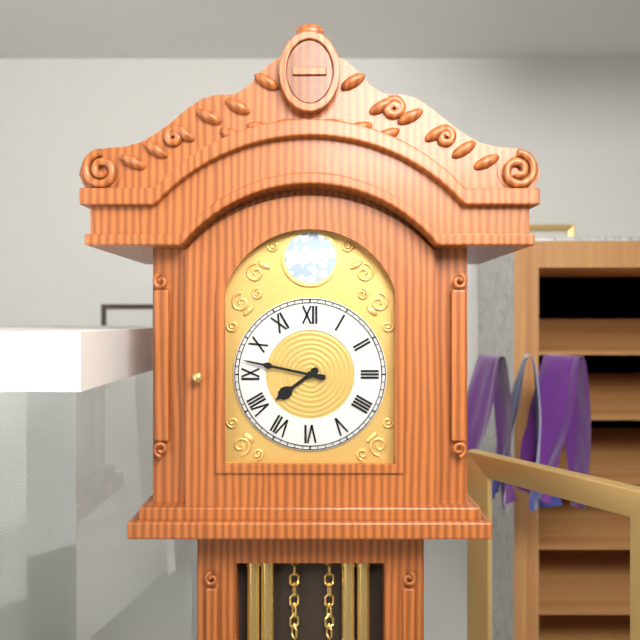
7:47
